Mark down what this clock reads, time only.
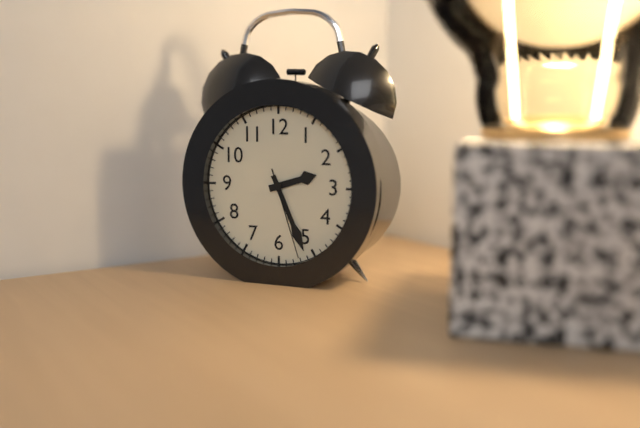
2:26:27
